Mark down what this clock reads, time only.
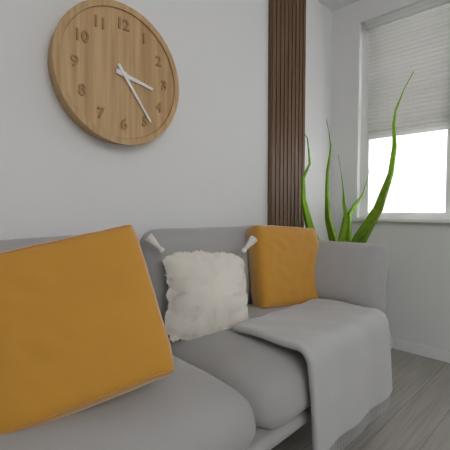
3:24
